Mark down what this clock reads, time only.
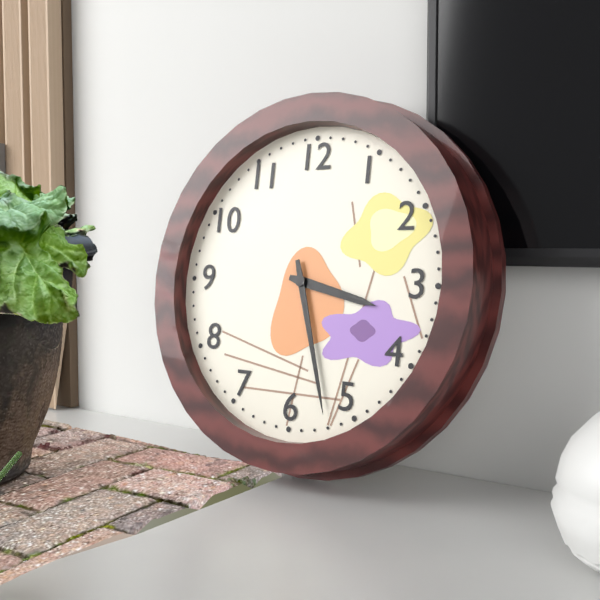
3:27
